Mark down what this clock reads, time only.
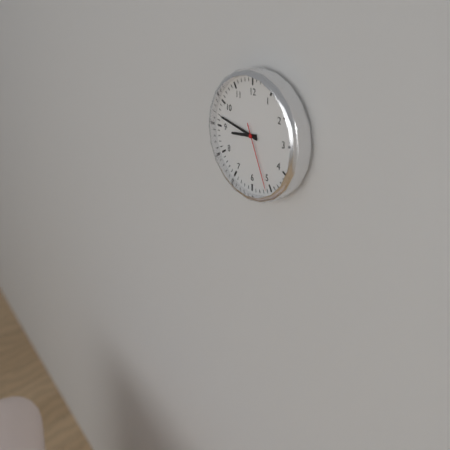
8:47:26
